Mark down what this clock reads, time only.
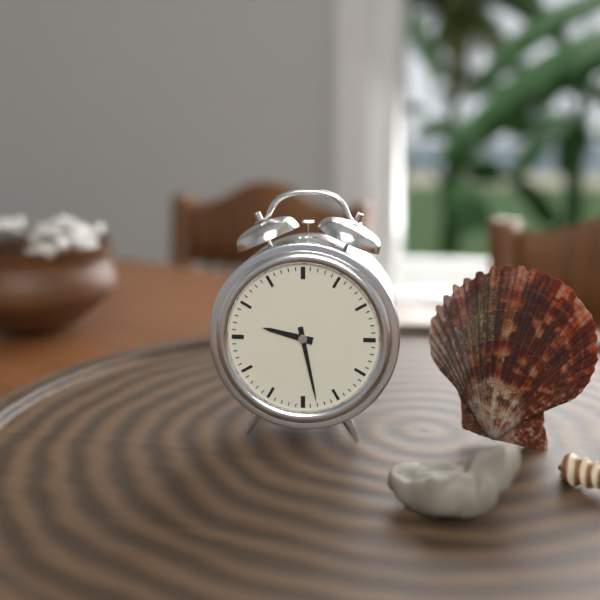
9:28
